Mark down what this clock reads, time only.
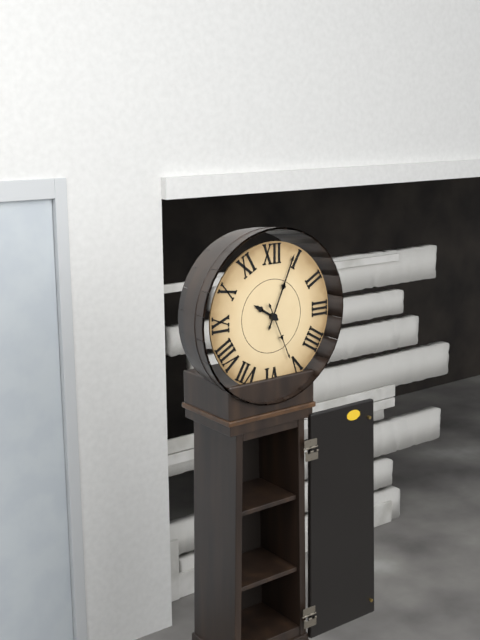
10:04:26
